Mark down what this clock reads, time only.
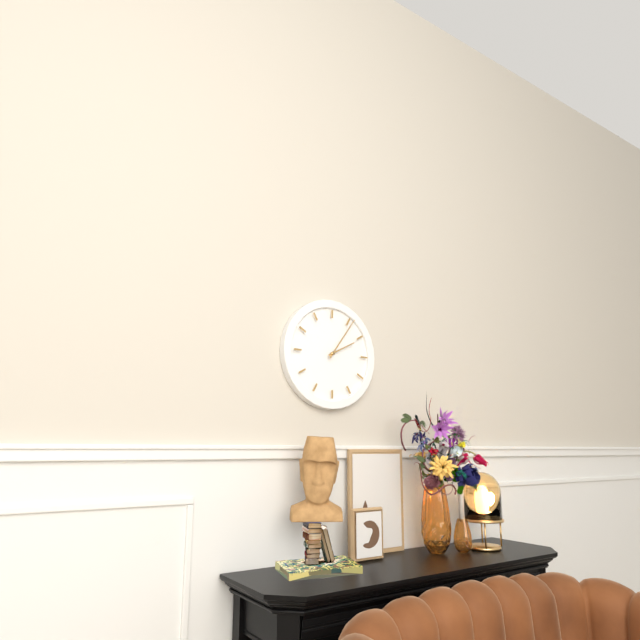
2:06
